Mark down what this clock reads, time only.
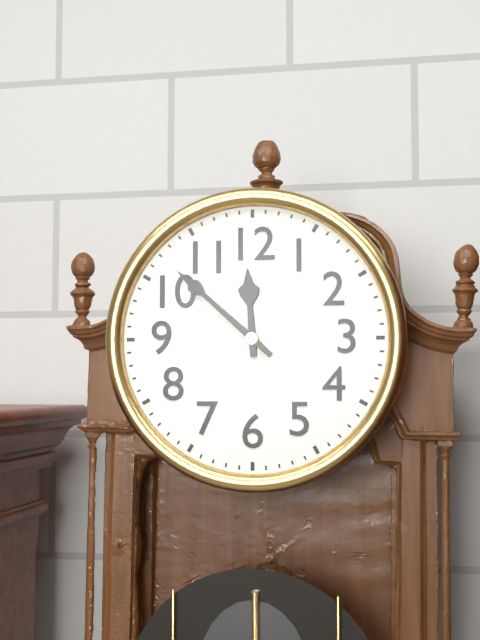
11:52
